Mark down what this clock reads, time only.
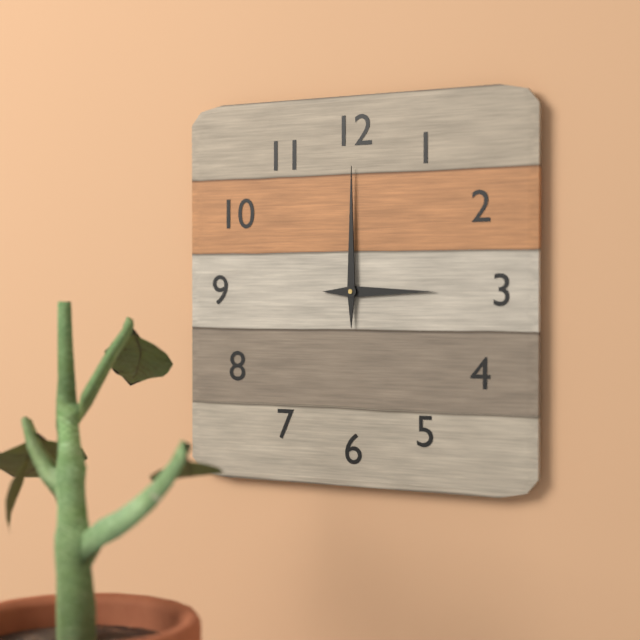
3:00
